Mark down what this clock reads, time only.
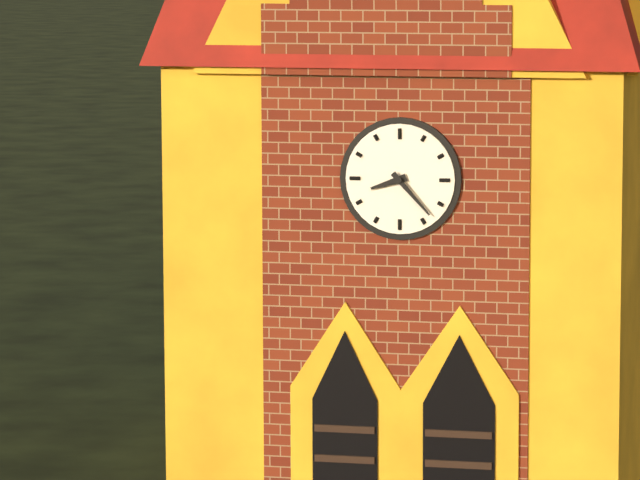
8:23
